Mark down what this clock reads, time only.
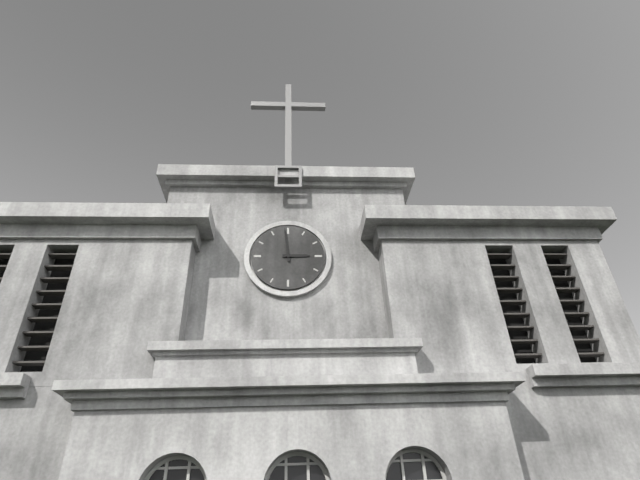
2:59
